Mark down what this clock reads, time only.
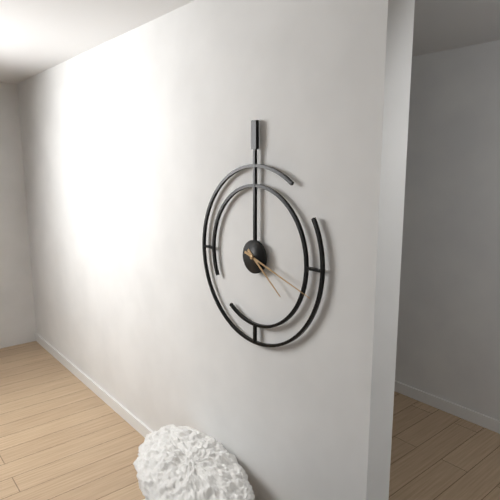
4:18
